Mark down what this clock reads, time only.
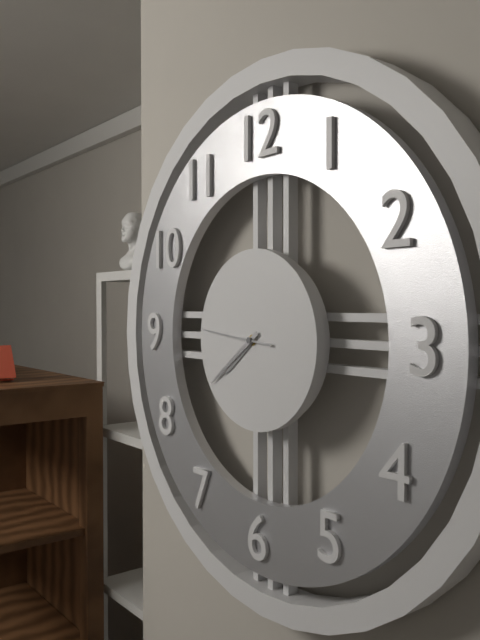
7:39:46
